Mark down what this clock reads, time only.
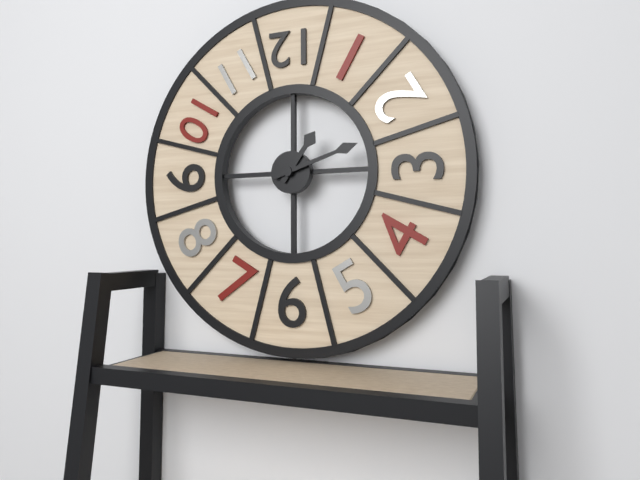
1:12
